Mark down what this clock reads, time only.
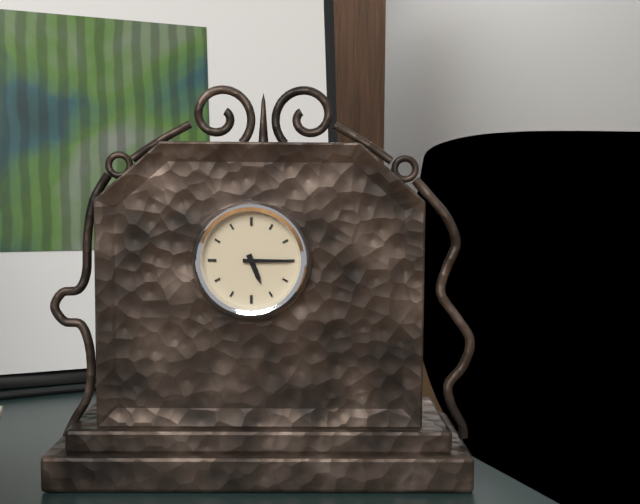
5:15
